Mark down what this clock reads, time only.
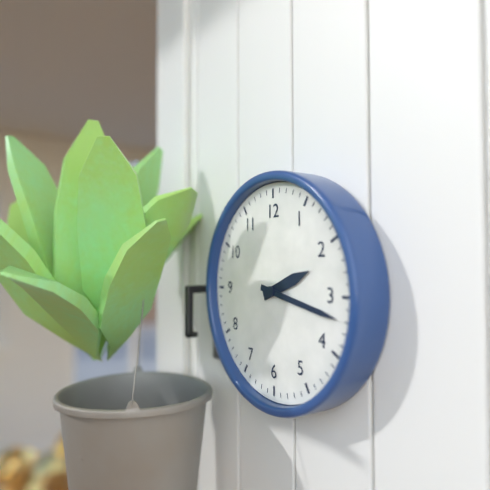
2:17
